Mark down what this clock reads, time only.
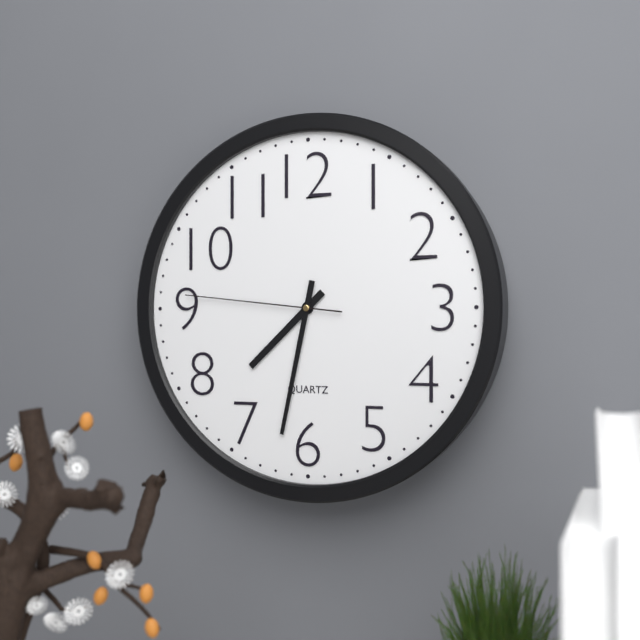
7:32:46
